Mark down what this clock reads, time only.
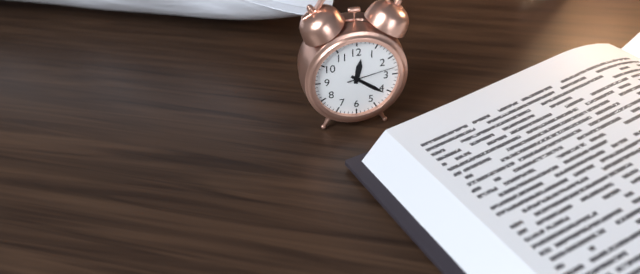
12:21
